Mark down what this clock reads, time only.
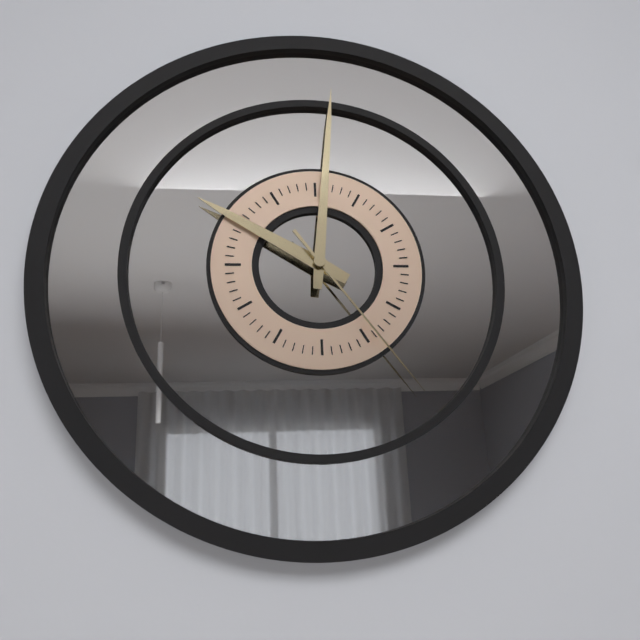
10:01:24
